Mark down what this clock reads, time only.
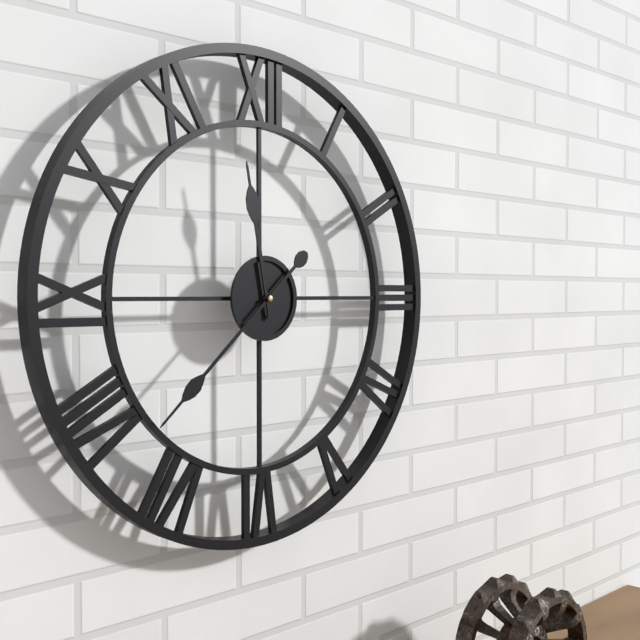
11:38
